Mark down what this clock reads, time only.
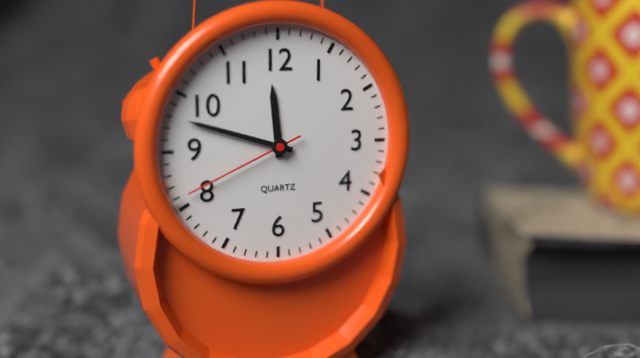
11:48:41
